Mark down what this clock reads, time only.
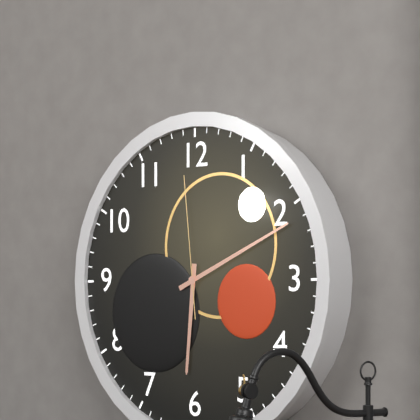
6:11:59
